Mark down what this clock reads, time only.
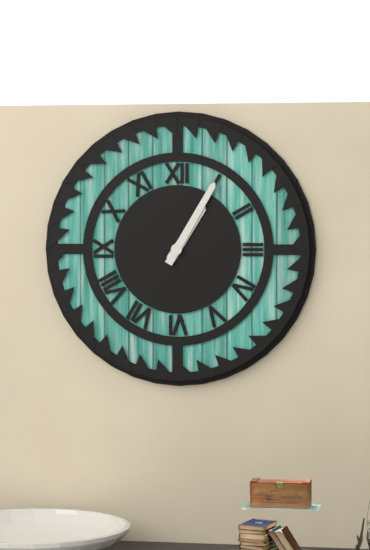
1:05
